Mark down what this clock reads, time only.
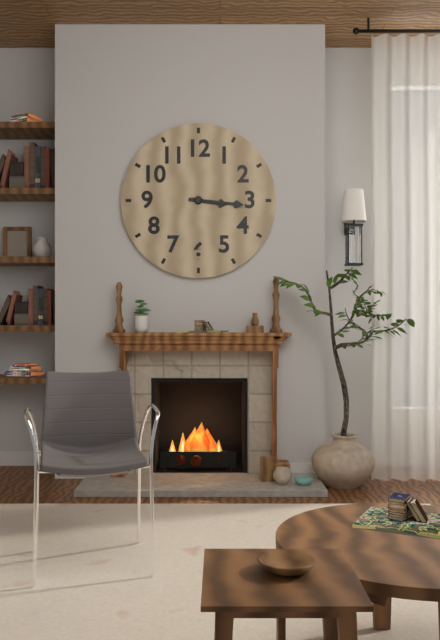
3:16
